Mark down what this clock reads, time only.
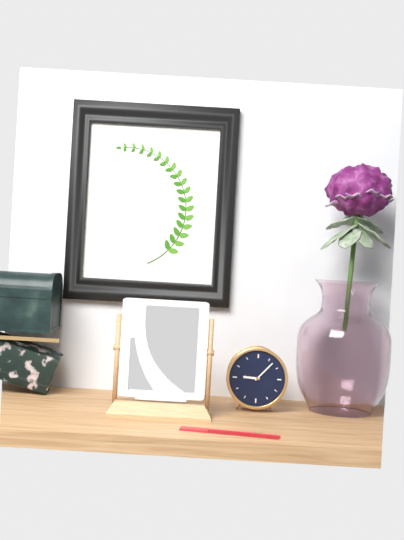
9:07
